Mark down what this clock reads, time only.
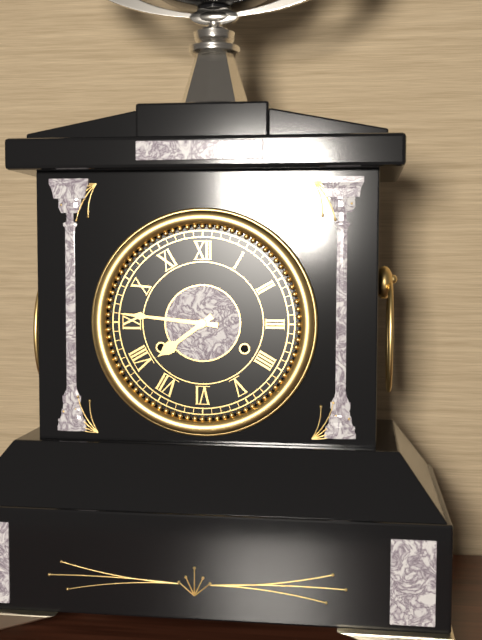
7:46
